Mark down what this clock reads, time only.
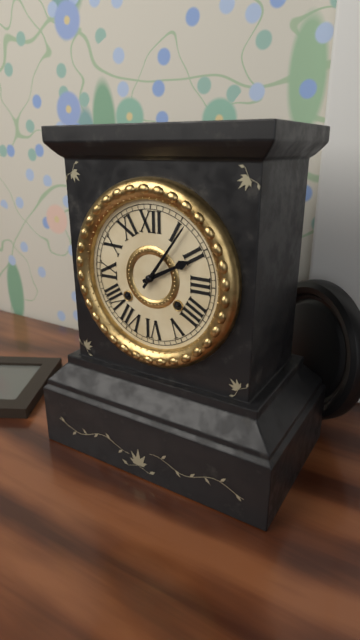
2:06
